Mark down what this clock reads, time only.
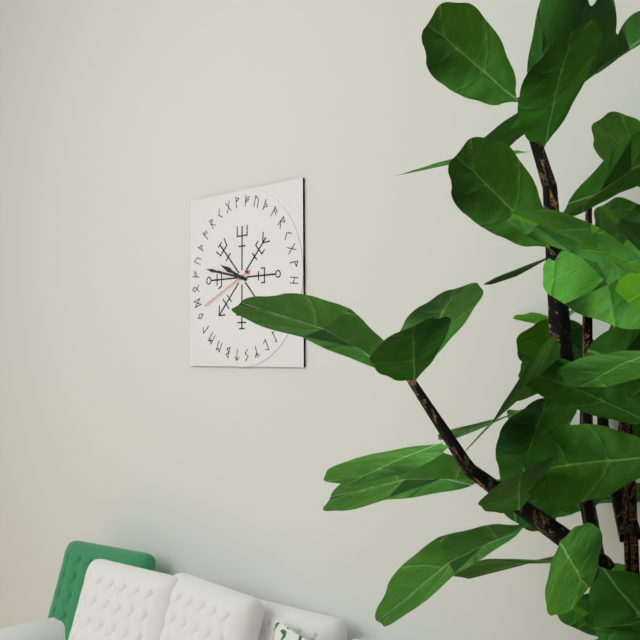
9:47:41
